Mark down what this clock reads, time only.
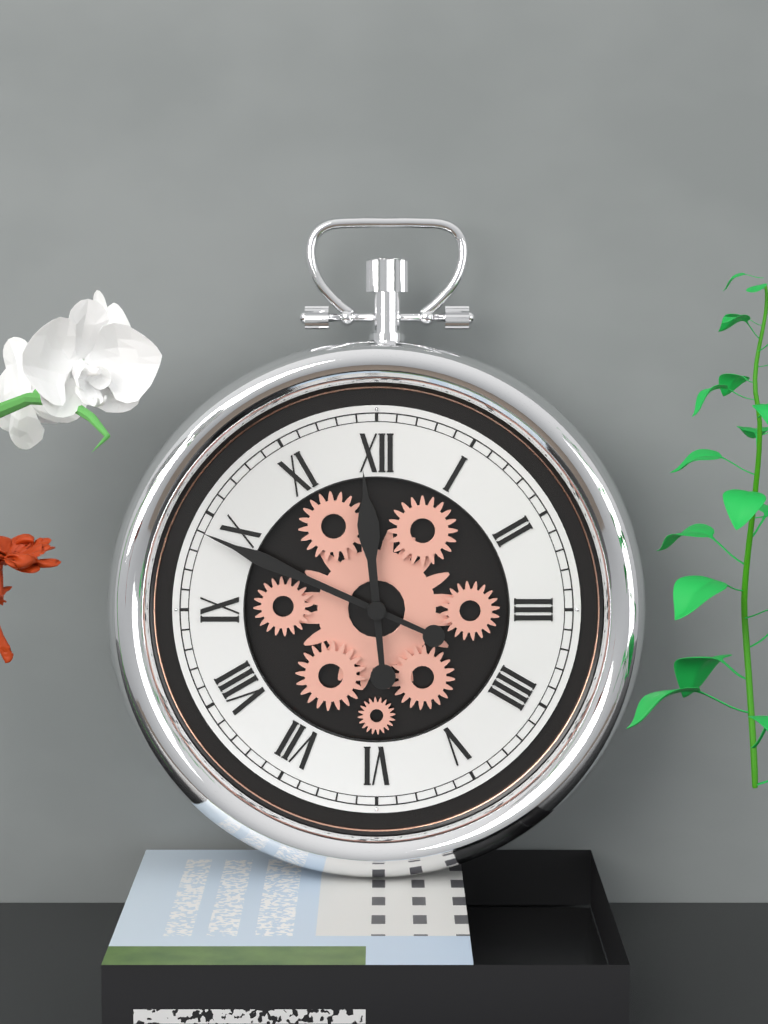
11:49
